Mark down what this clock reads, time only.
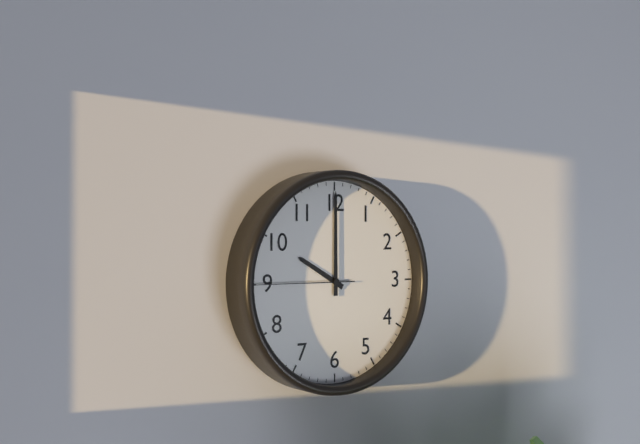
10:00:45
